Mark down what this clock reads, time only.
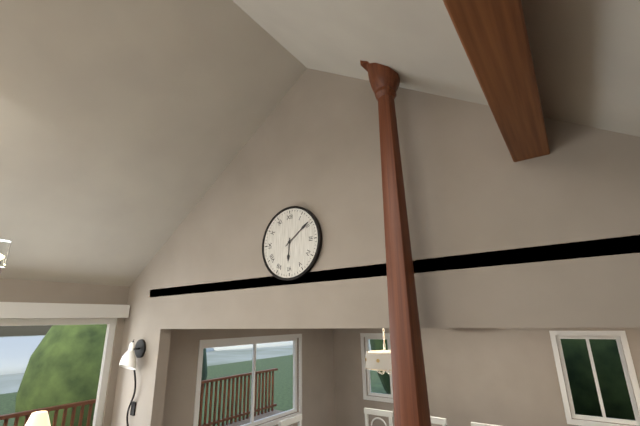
6:09
